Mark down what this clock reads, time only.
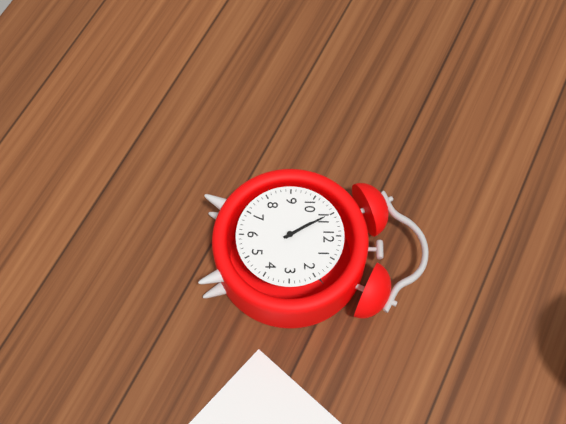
10:55
